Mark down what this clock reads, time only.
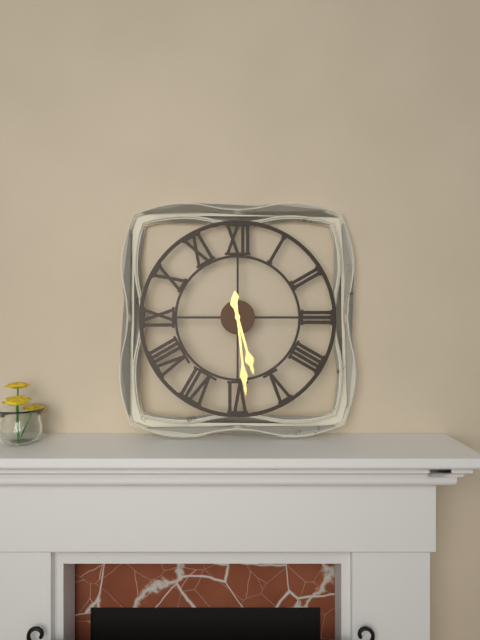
5:29
